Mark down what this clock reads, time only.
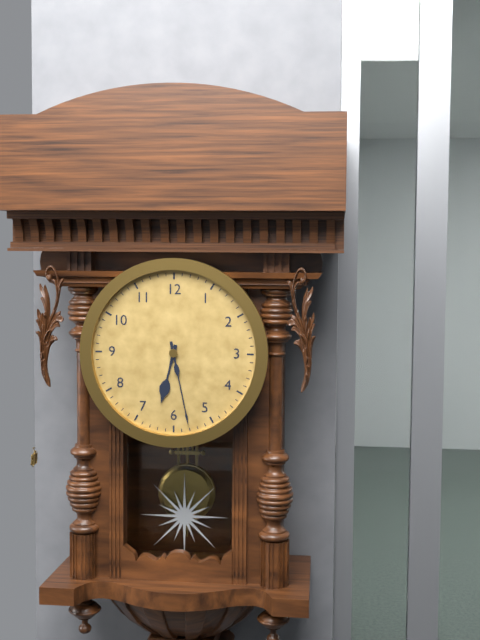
6:28
